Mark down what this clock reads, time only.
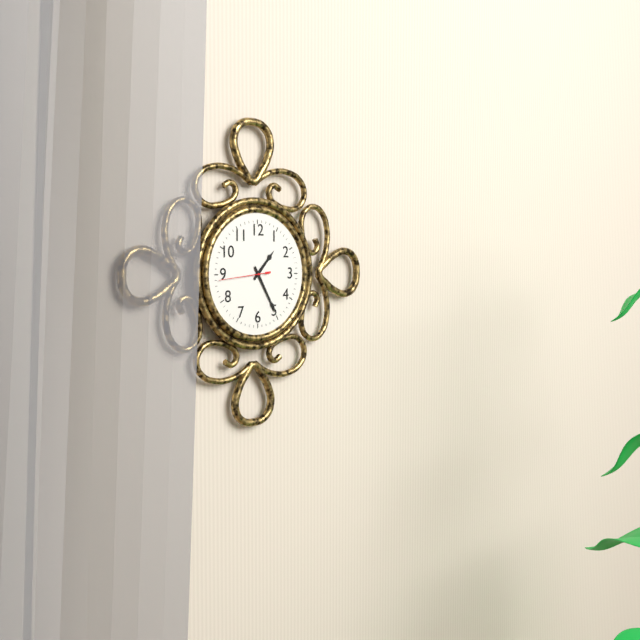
1:25
